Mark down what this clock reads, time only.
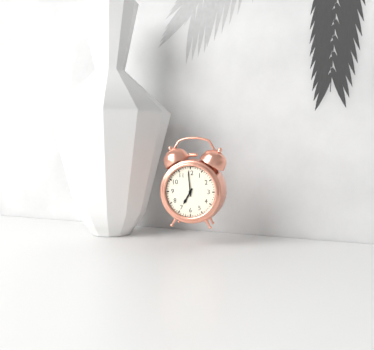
6:59
